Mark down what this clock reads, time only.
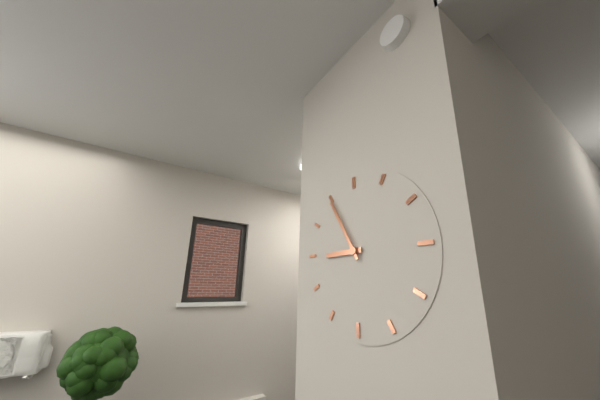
8:55
